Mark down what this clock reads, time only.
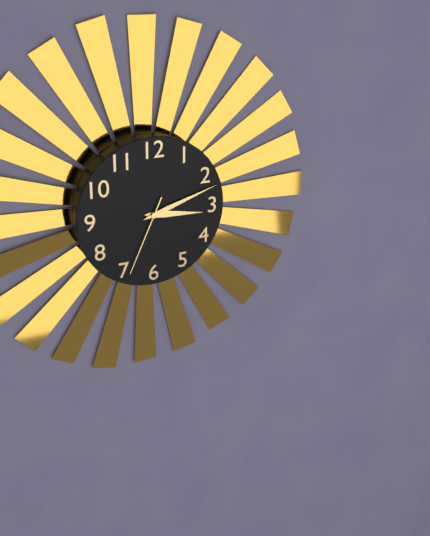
3:12:34
